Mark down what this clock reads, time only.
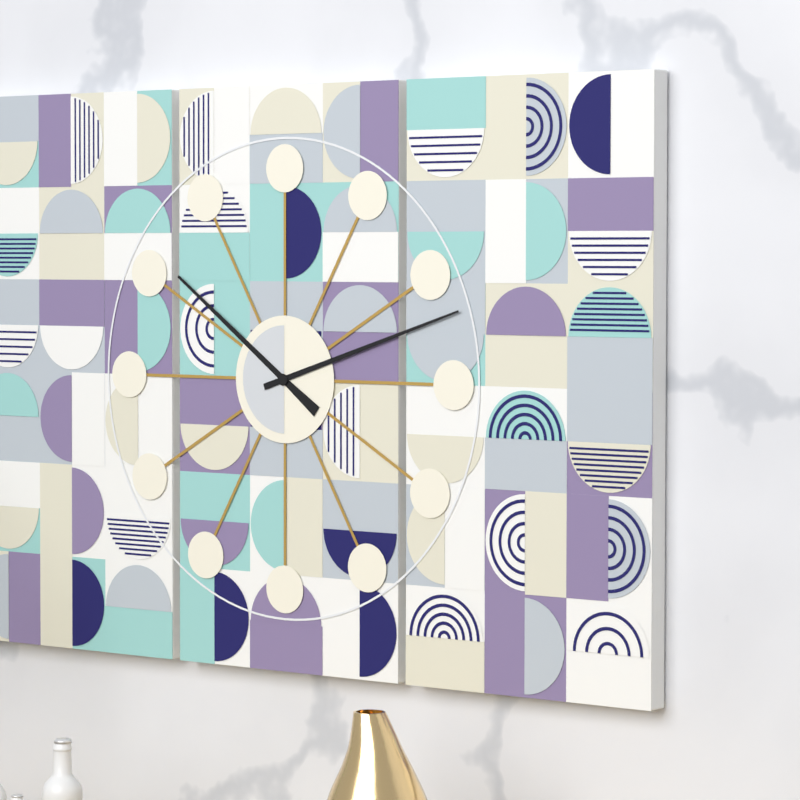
10:12
